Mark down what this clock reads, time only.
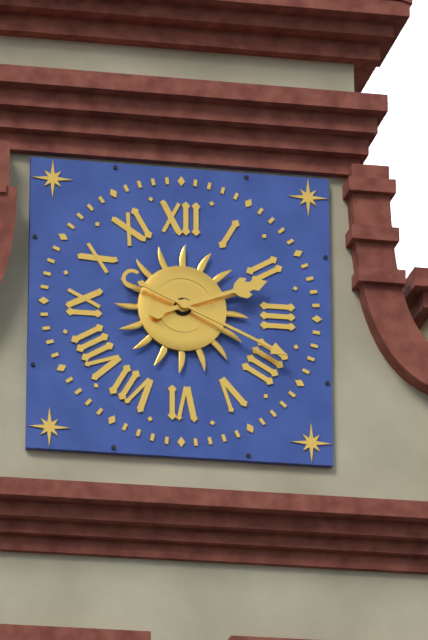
2:19
